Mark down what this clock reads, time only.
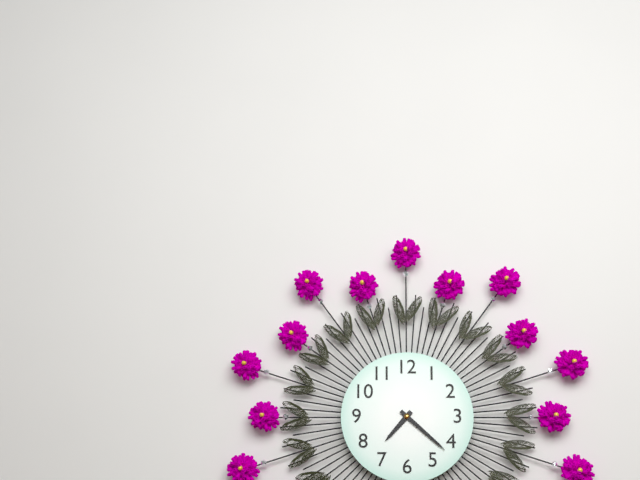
7:22
